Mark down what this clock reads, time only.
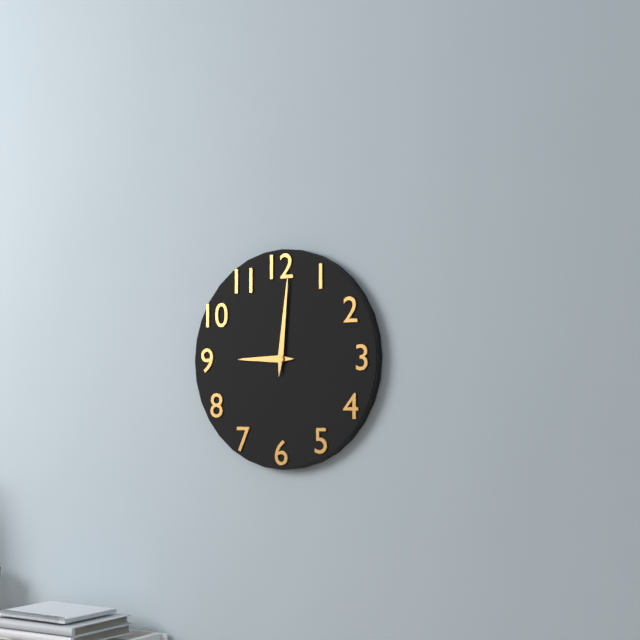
9:01
